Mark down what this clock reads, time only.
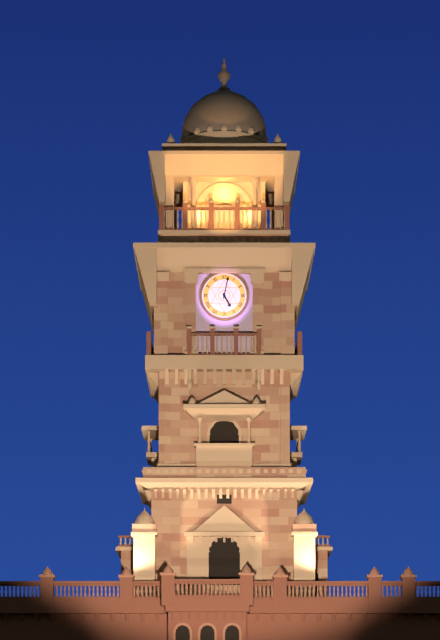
5:02
